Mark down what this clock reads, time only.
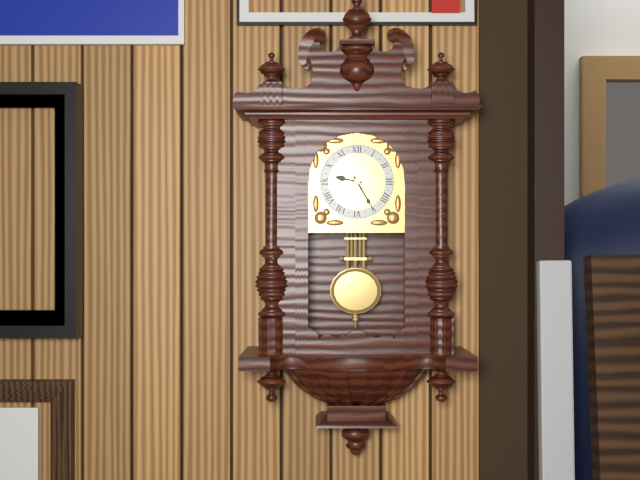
9:25
